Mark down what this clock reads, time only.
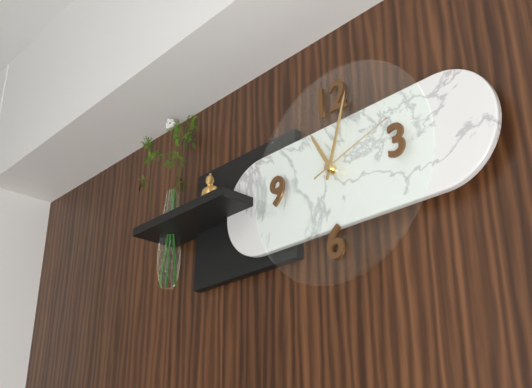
11:03:12
